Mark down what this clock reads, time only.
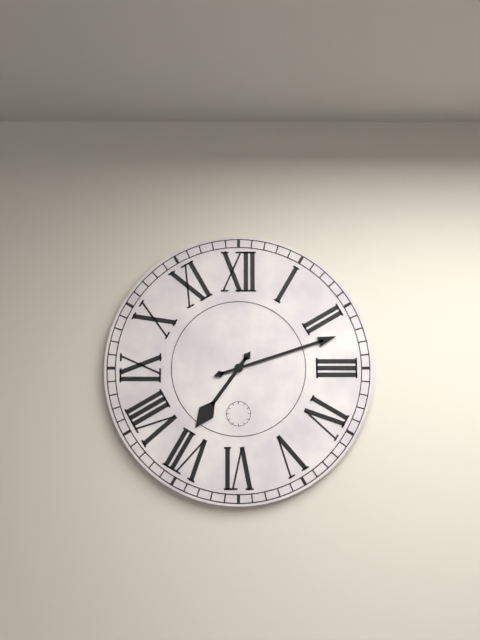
7:12
